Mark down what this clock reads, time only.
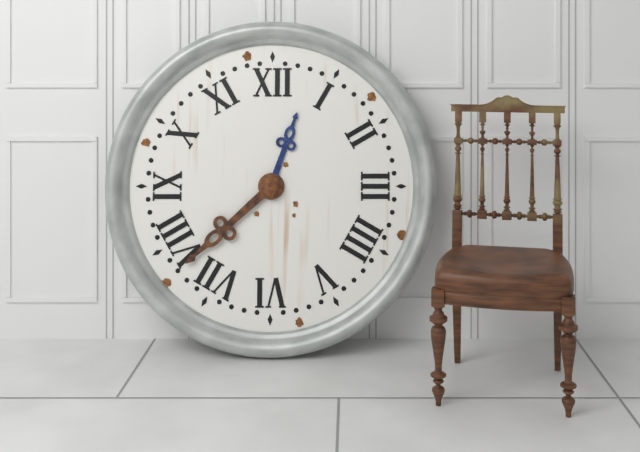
12:38
